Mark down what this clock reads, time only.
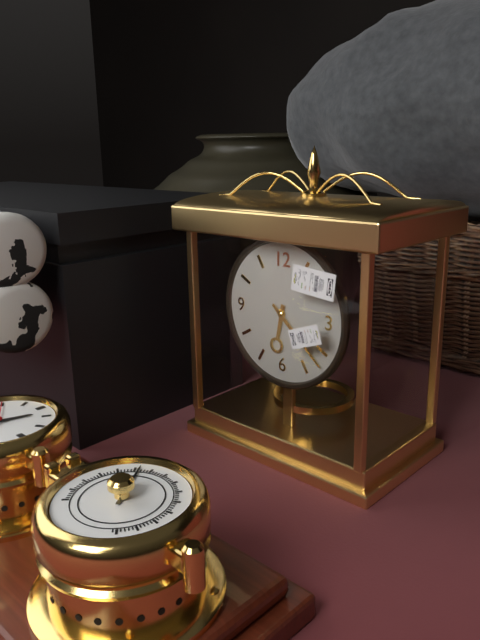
6:22
